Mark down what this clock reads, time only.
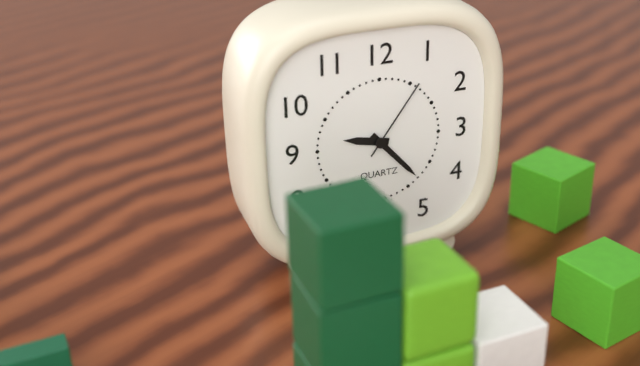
9:23:06
